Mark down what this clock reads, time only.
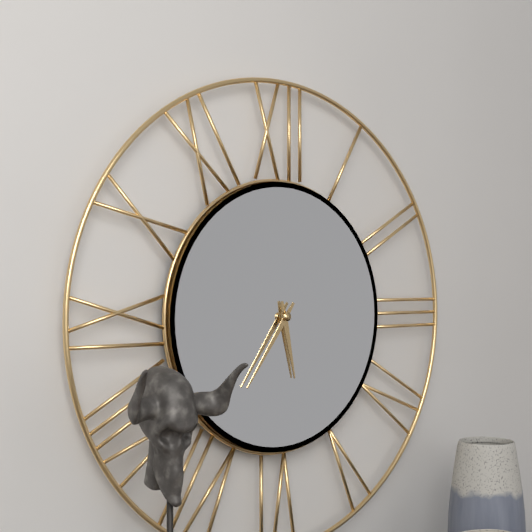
5:36
